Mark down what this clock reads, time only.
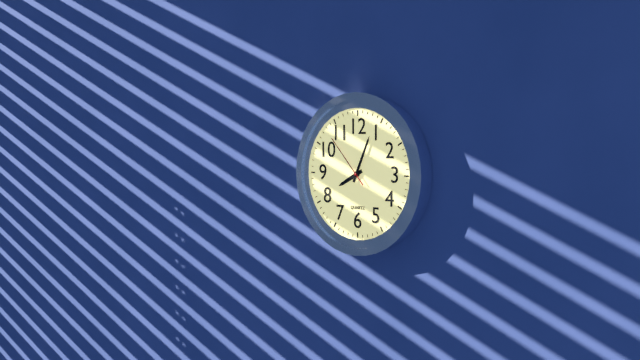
8:04:53
